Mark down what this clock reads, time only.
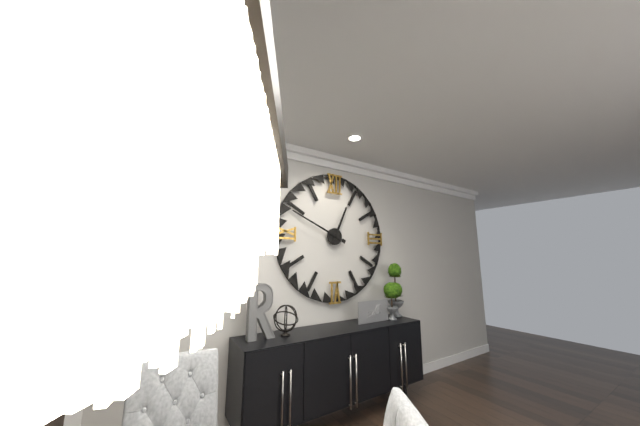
12:49
